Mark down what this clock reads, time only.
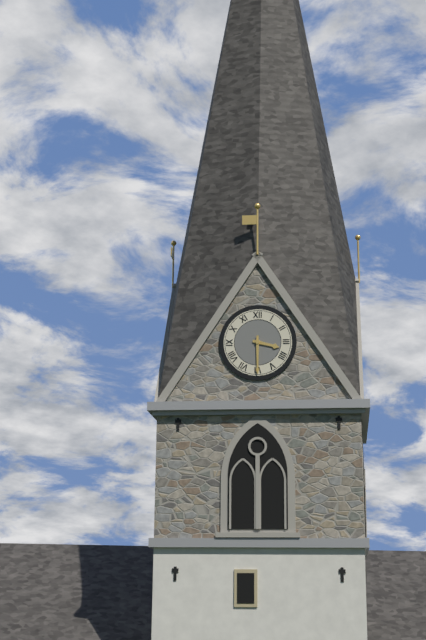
3:30
